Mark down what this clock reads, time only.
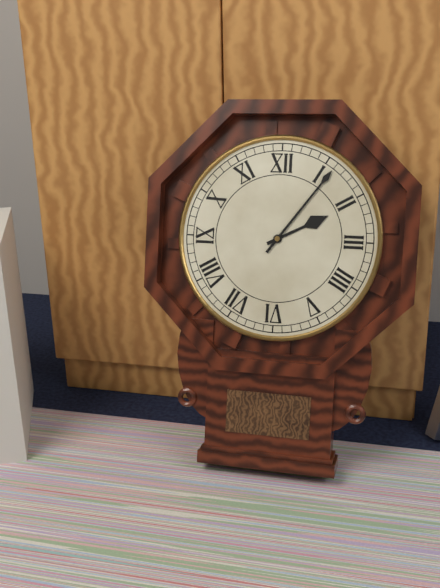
2:06
